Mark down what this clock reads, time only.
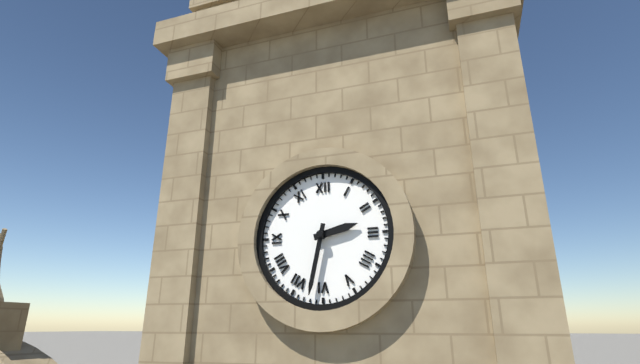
2:32
